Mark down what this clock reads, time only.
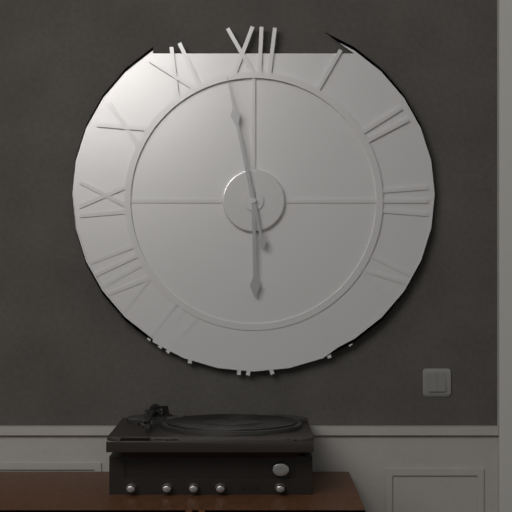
5:58
